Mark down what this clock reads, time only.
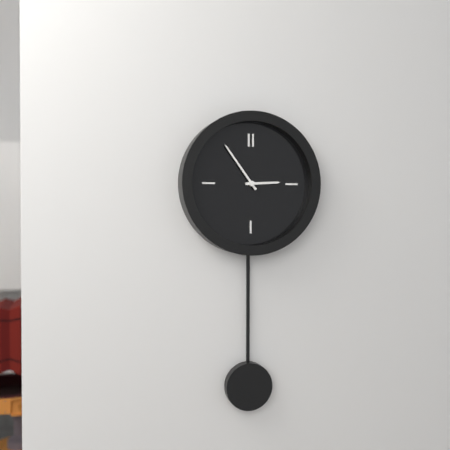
2:54
